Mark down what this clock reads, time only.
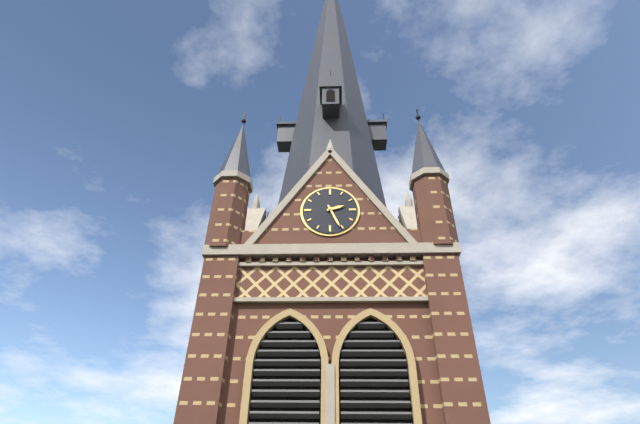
2:26
